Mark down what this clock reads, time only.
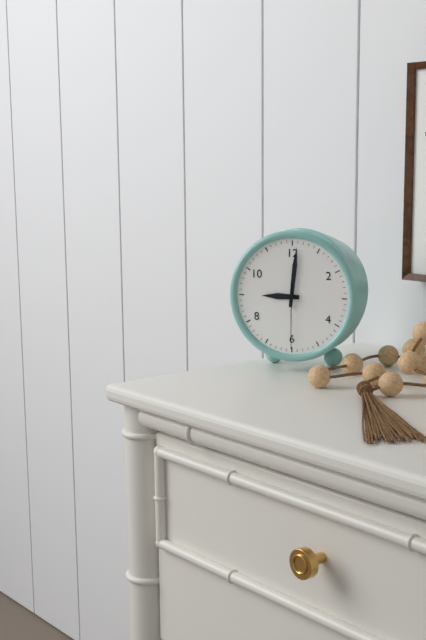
9:01:30
